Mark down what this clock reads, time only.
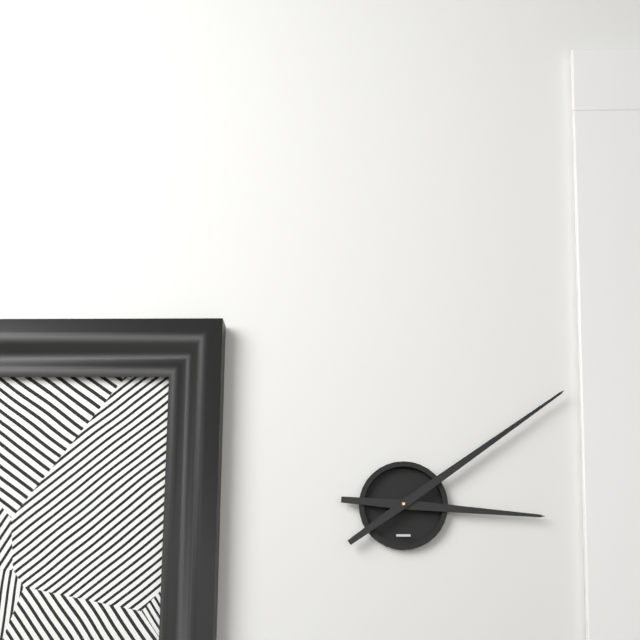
3:09
